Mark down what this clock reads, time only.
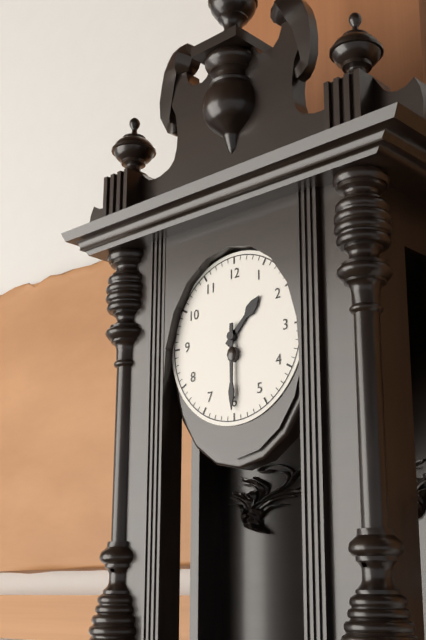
1:30
